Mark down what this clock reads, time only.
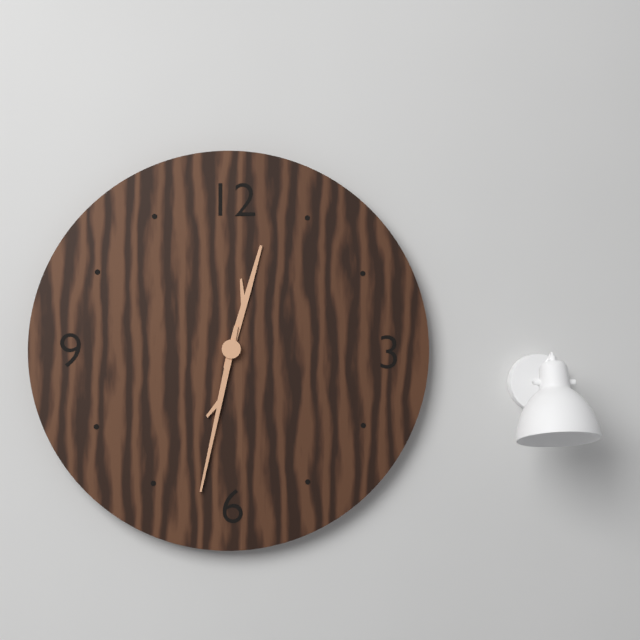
12:32
